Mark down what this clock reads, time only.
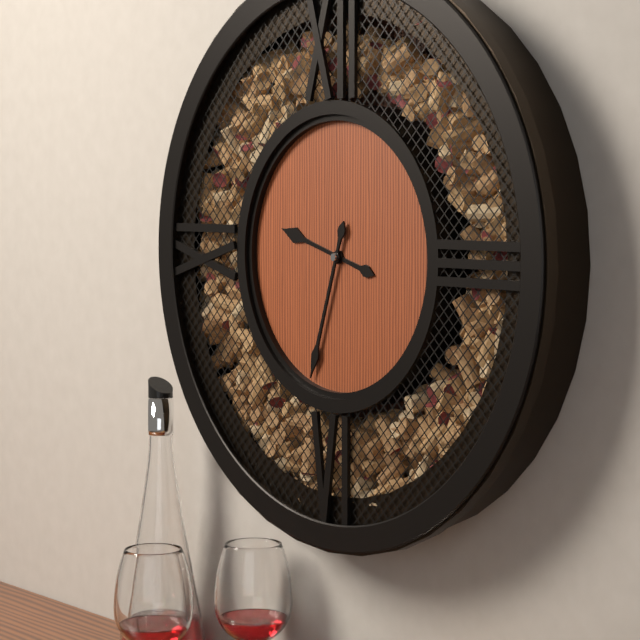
9:33
